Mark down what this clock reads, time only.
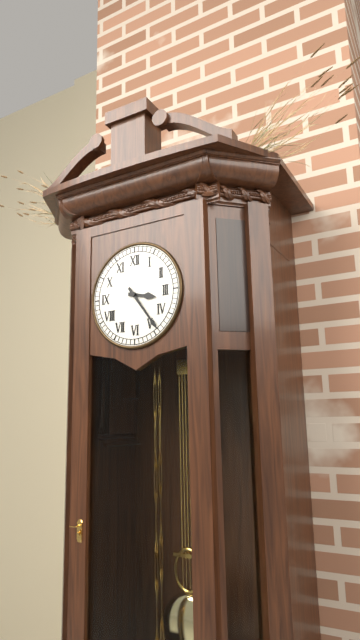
3:24
